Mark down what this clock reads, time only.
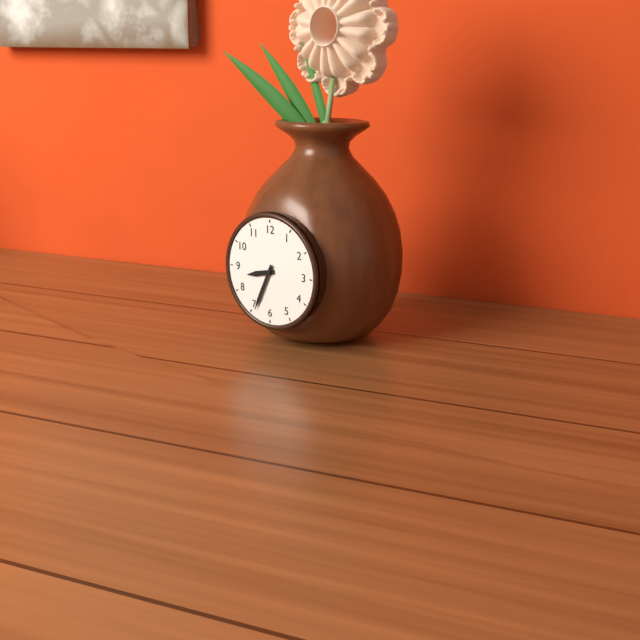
8:34
